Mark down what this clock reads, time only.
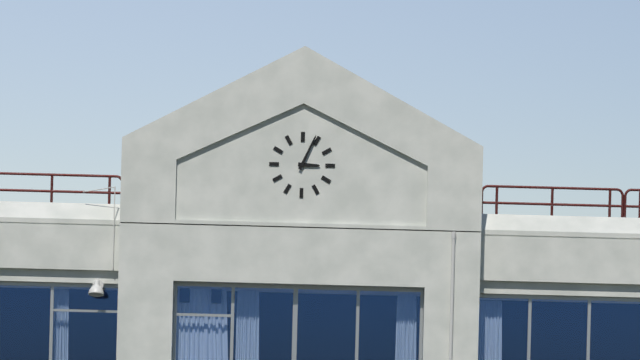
3:04
